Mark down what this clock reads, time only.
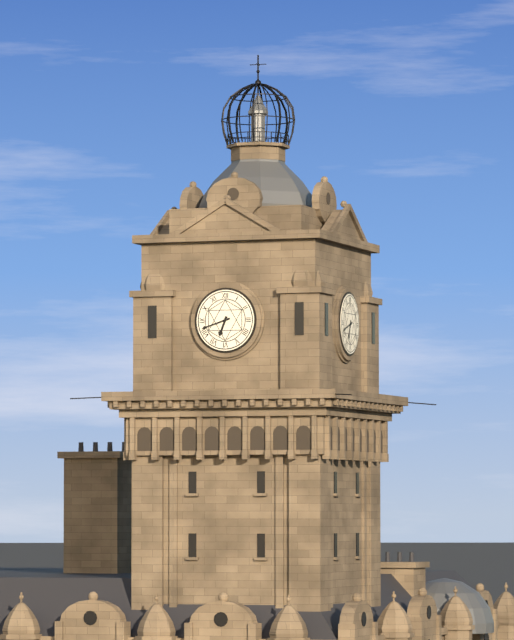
6:42
